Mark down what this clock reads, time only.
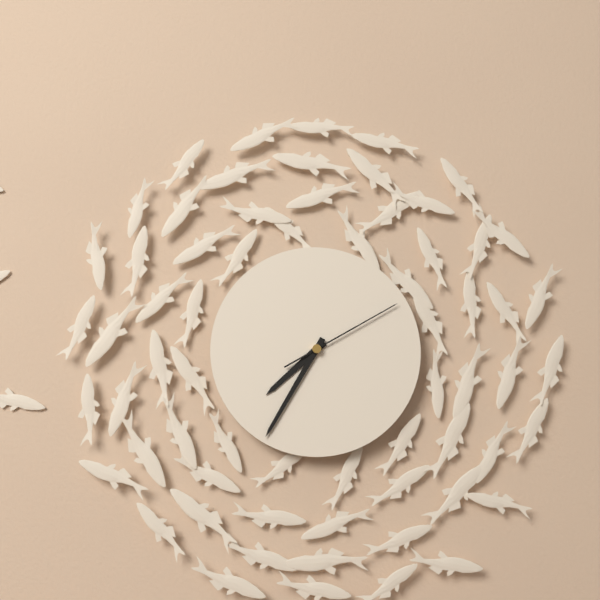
7:35:10
